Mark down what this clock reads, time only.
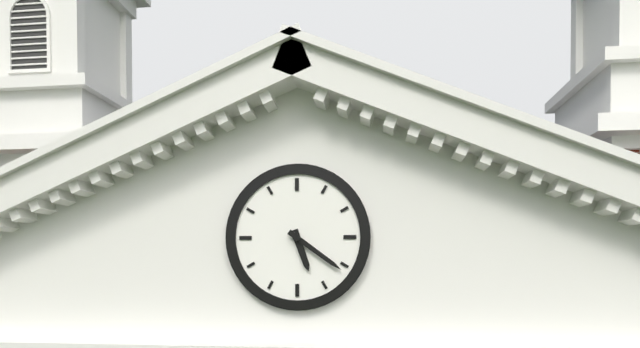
5:21
